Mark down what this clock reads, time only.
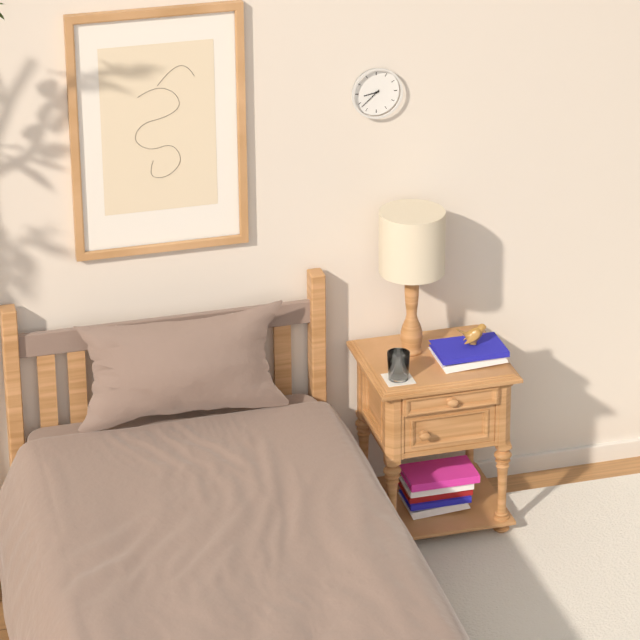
8:38
